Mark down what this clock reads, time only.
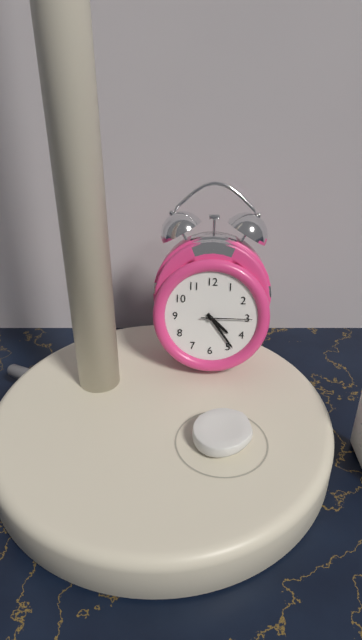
4:24:15
